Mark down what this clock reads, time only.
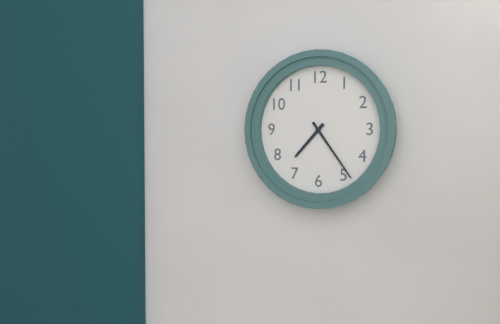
7:24
